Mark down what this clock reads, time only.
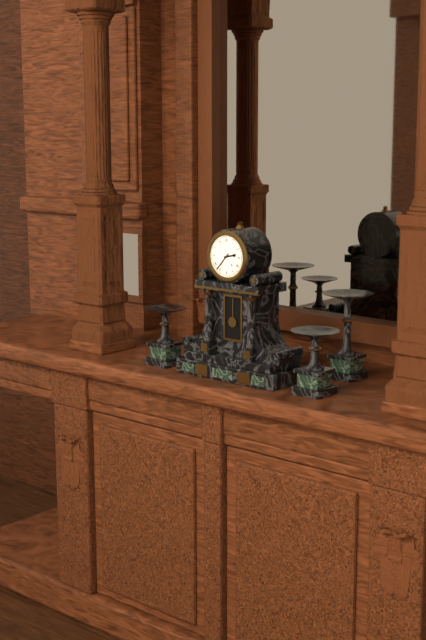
2:37
